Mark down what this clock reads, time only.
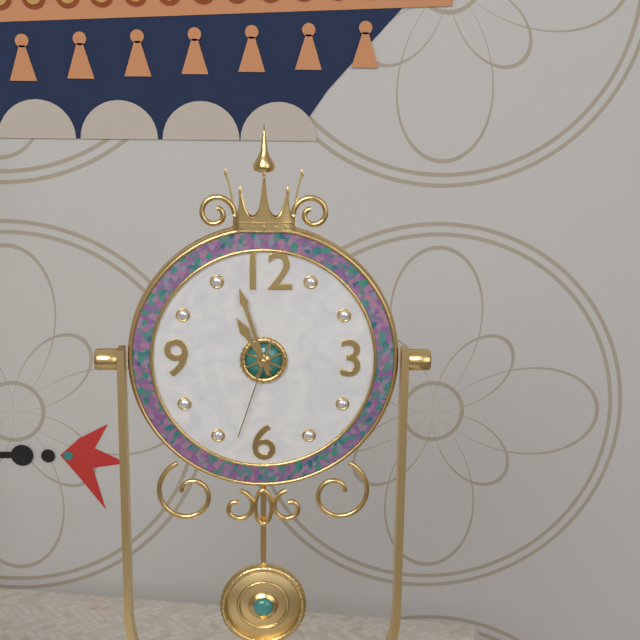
10:57:33
